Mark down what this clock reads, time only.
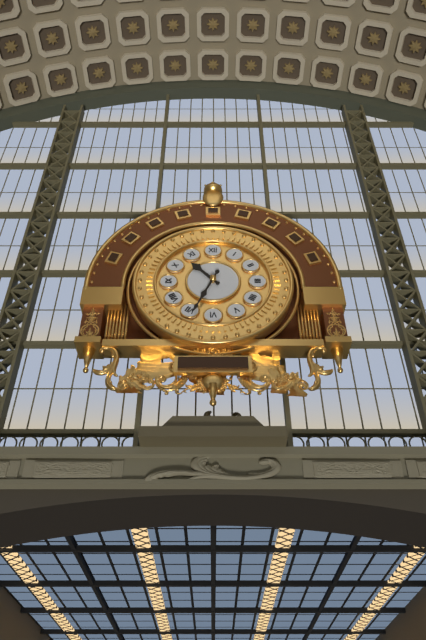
10:34
